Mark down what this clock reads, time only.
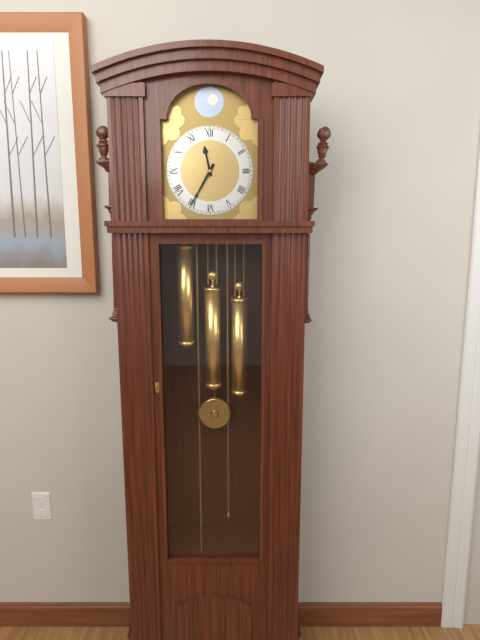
11:35
